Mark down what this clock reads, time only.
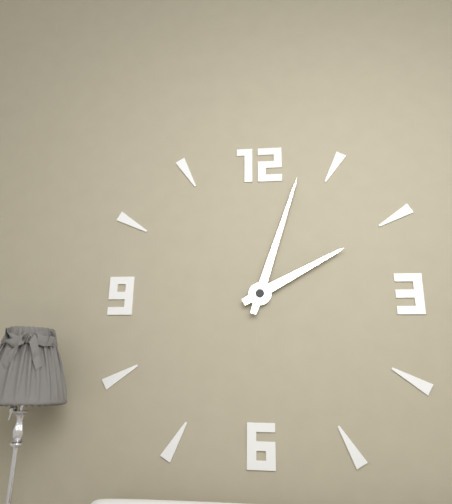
2:03
